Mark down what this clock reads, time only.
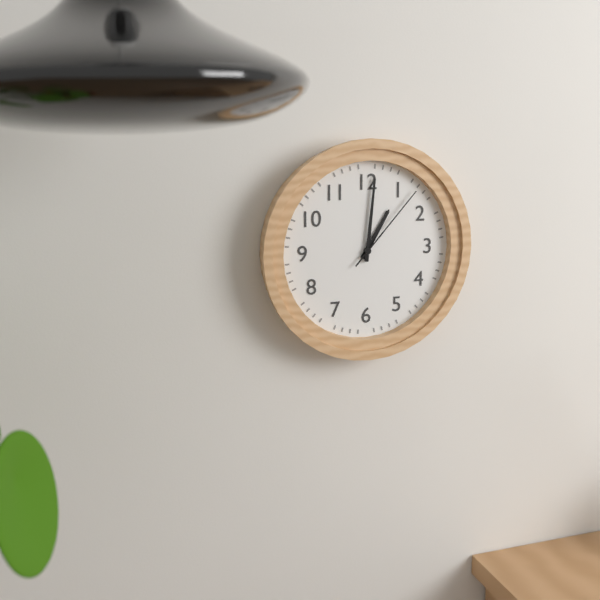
1:01:07
